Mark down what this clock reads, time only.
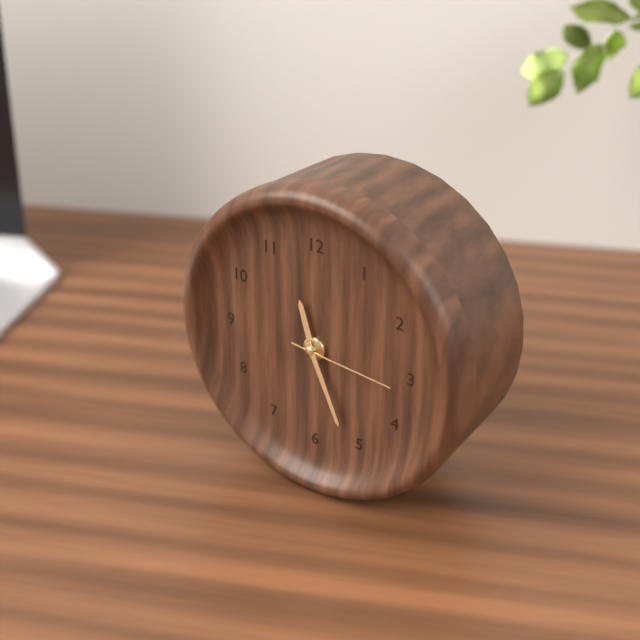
11:26:16
